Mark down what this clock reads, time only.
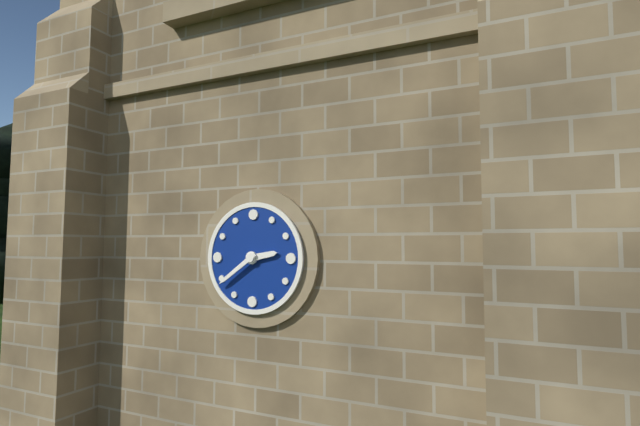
2:39
